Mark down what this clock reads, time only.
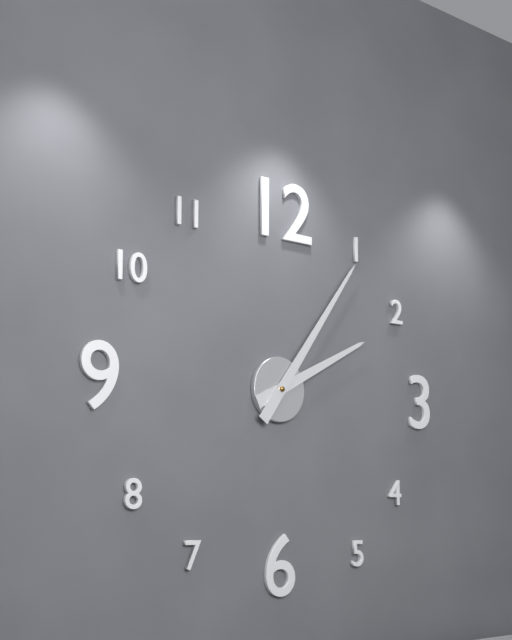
2:06
